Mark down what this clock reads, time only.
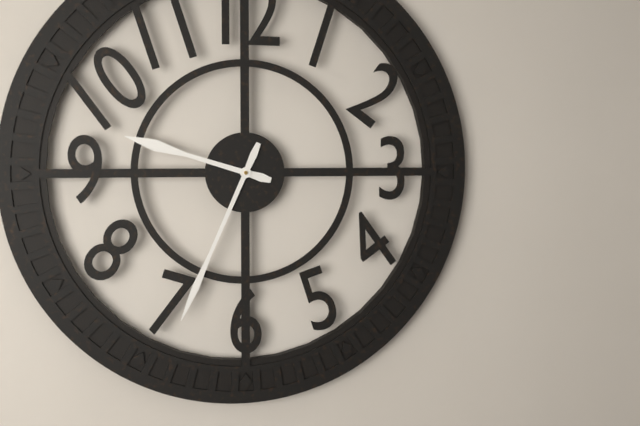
9:34
